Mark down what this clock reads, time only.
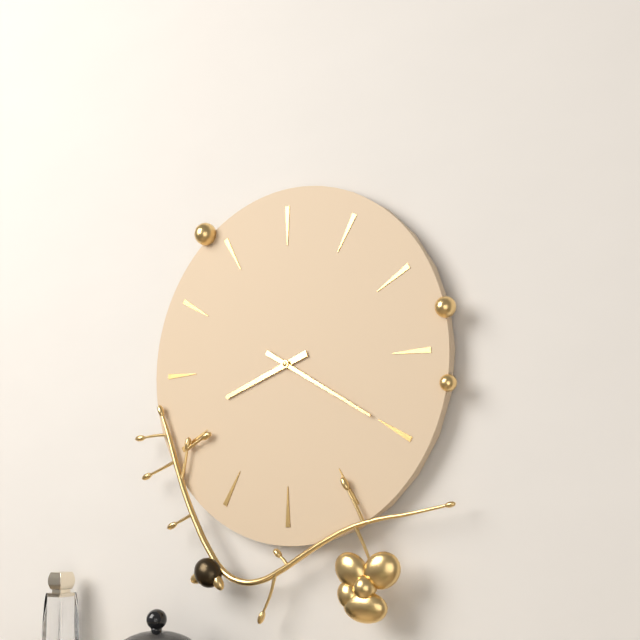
8:20
